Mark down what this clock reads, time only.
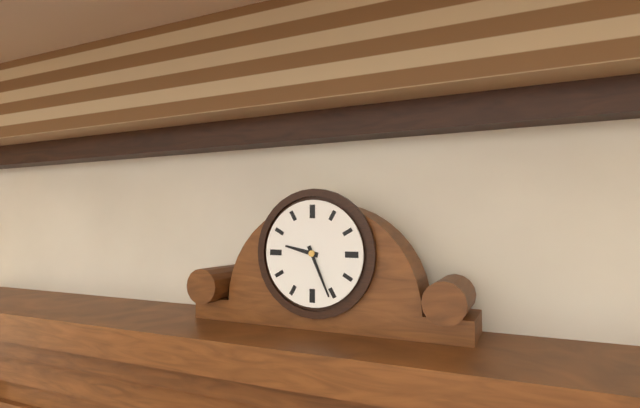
9:26
